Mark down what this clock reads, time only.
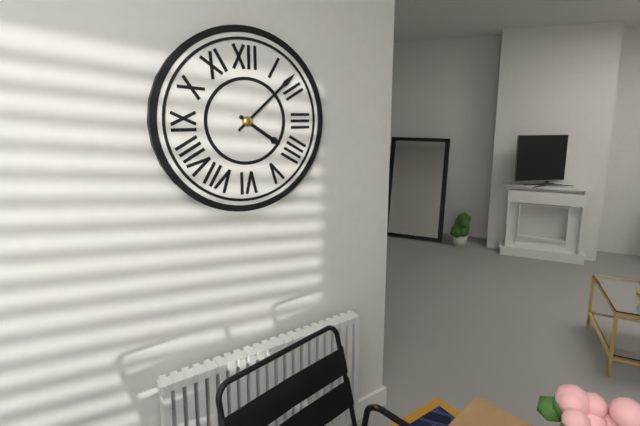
4:08
